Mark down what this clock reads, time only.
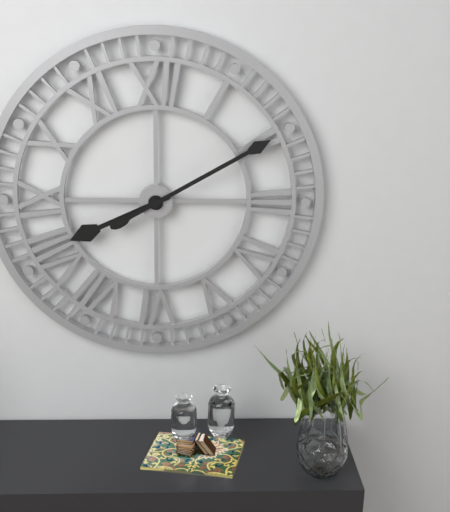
8:10
